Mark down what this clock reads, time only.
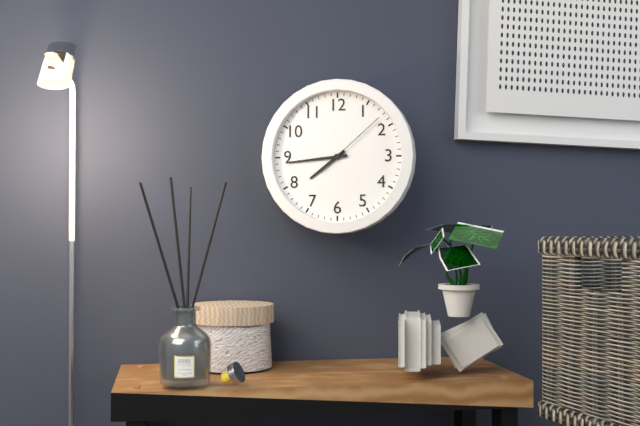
7:44:08
